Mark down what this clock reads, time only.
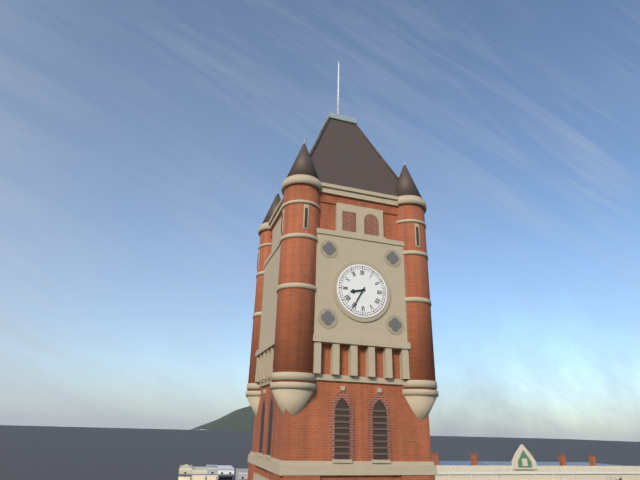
8:35
